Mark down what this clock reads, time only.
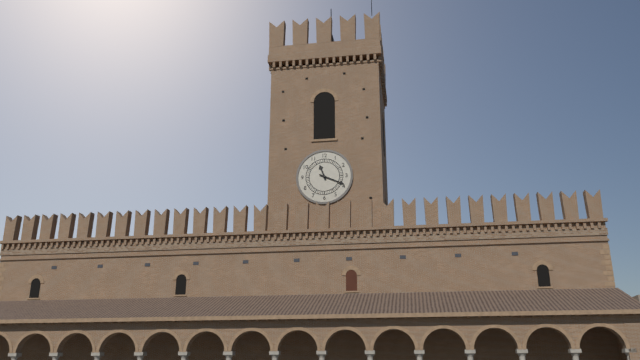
11:19
